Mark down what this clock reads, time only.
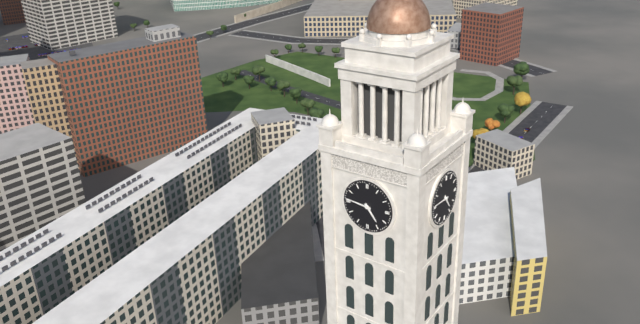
4:46
